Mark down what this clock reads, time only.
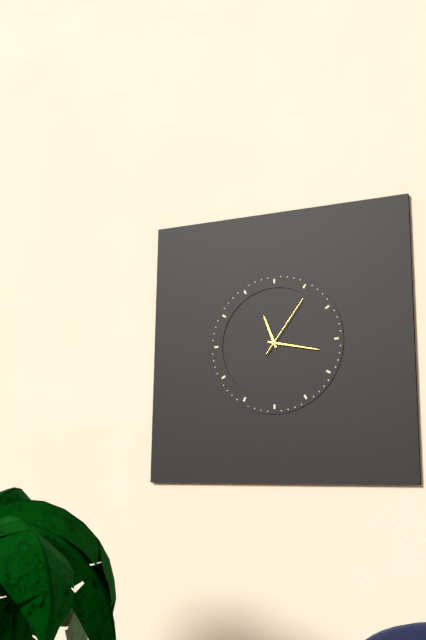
11:17:06
